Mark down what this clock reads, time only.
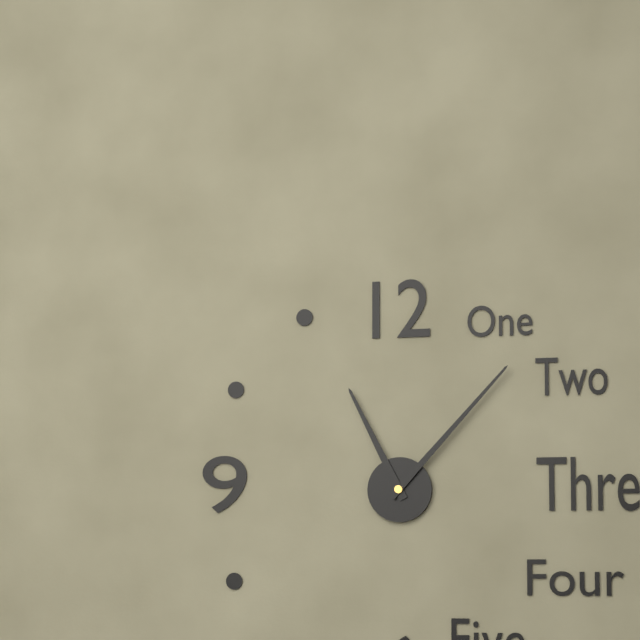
11:07
